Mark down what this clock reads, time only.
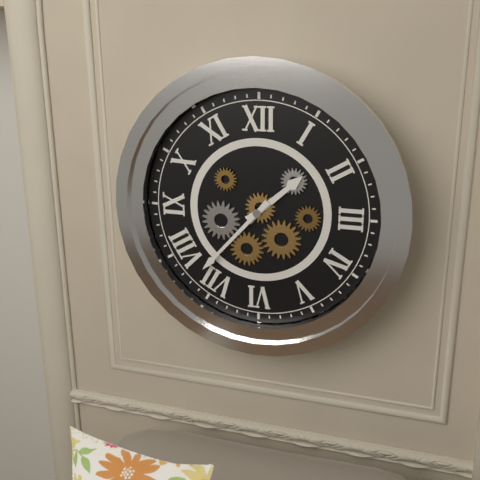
1:37
